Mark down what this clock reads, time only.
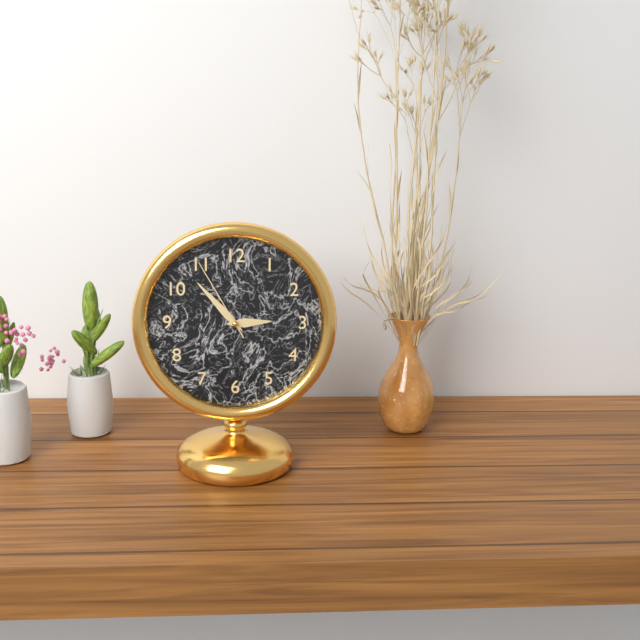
2:53:55
